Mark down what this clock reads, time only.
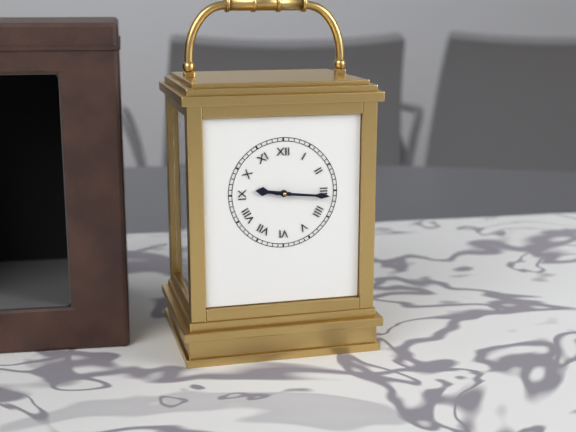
9:16
